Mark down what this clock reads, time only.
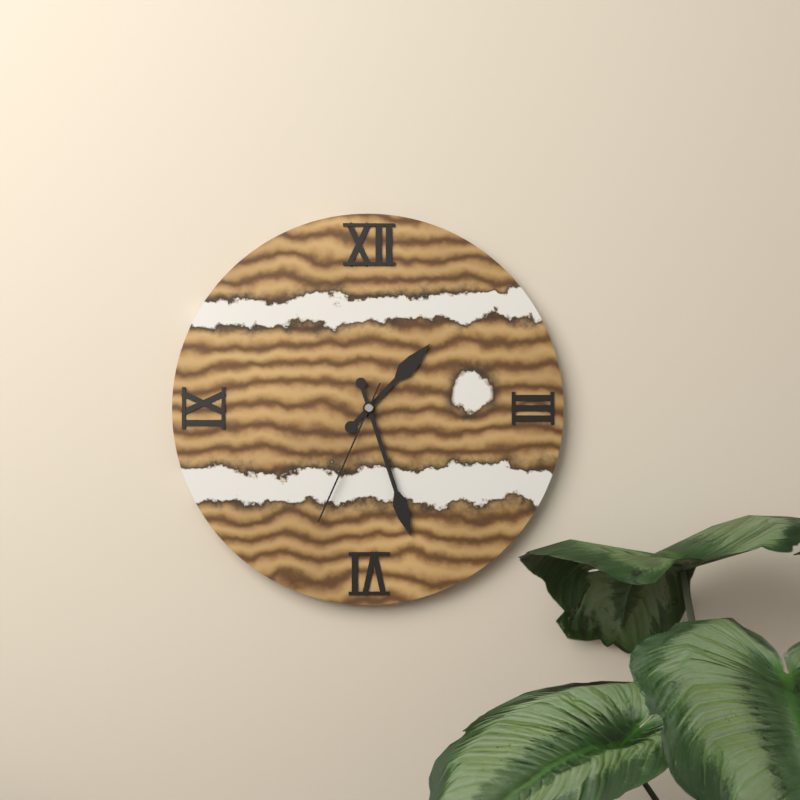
1:27:34
